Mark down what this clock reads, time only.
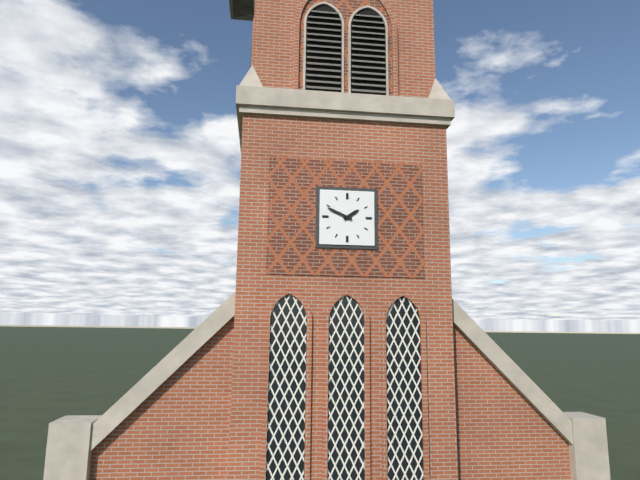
1:49
